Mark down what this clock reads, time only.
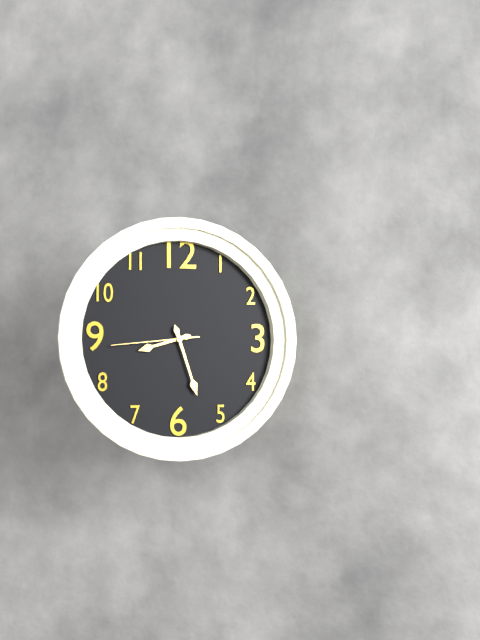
8:27:44
